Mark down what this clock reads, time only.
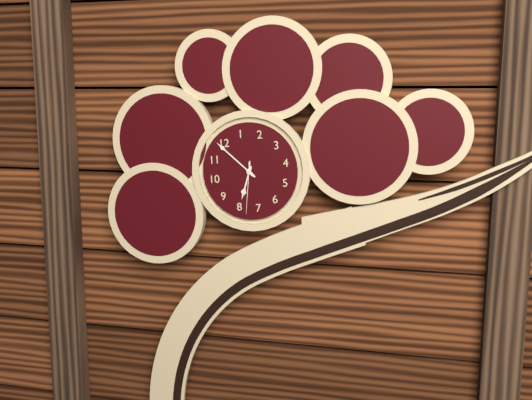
7:59:38
